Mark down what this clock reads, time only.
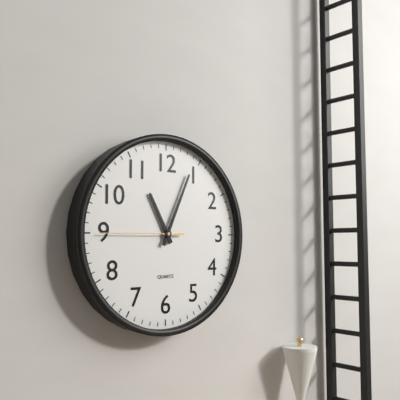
11:04:45
